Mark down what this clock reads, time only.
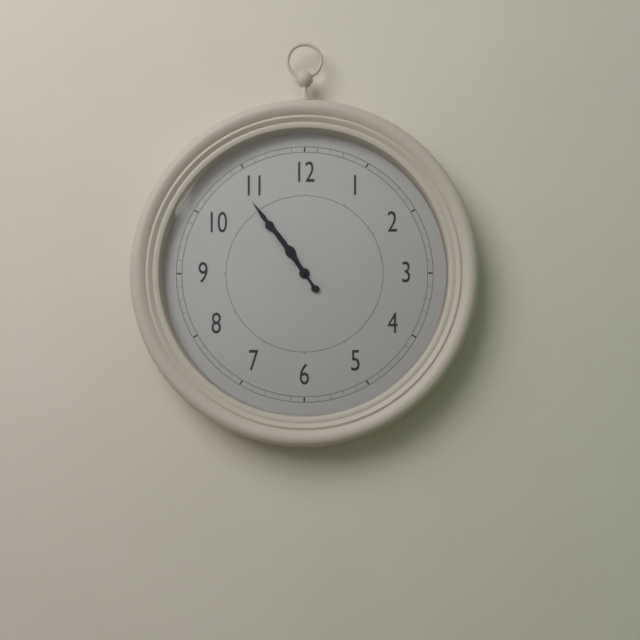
10:54
